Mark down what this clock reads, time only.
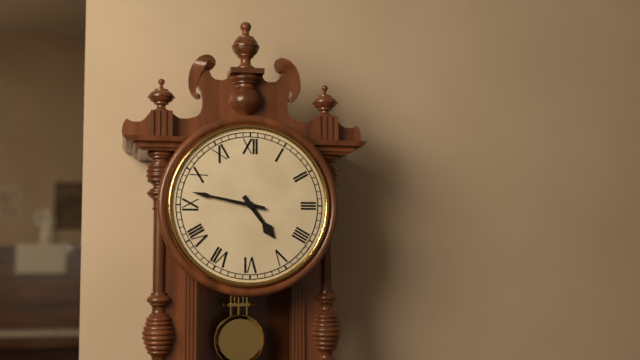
4:47
